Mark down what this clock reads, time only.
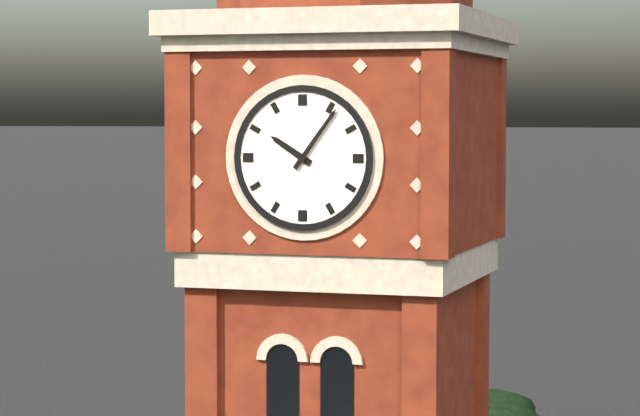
10:06
